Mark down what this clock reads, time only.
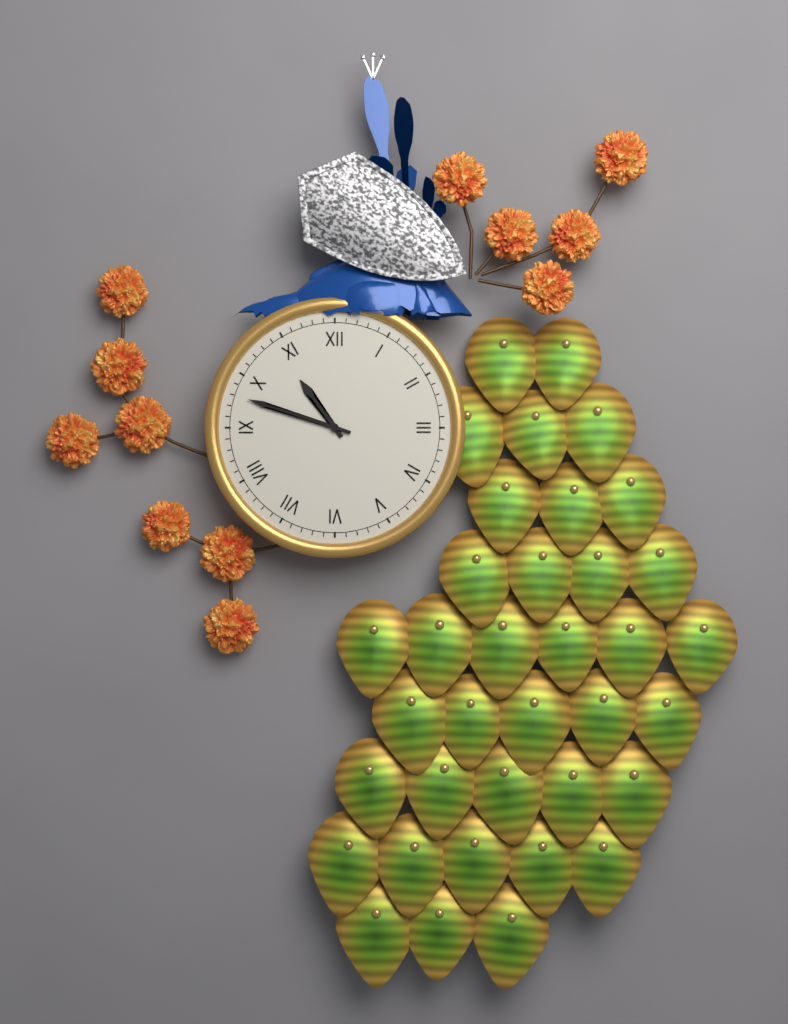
10:48
